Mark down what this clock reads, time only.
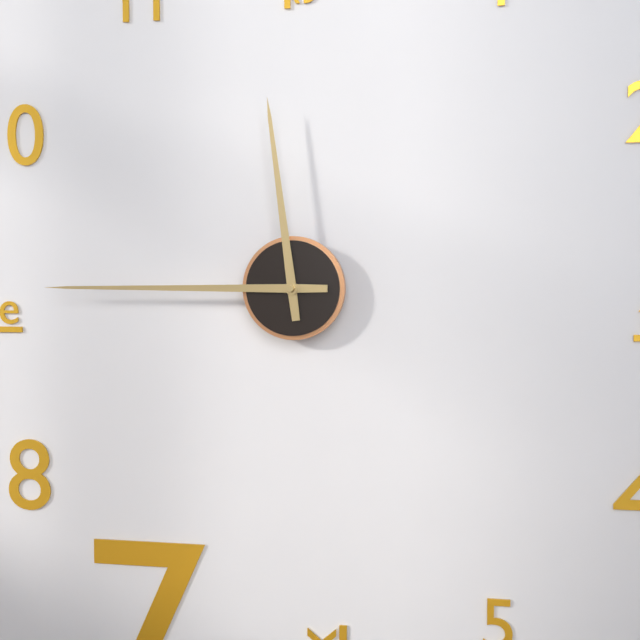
11:45
